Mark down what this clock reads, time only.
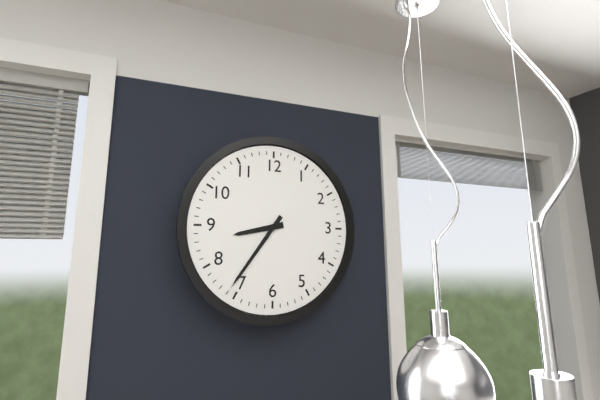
8:36
